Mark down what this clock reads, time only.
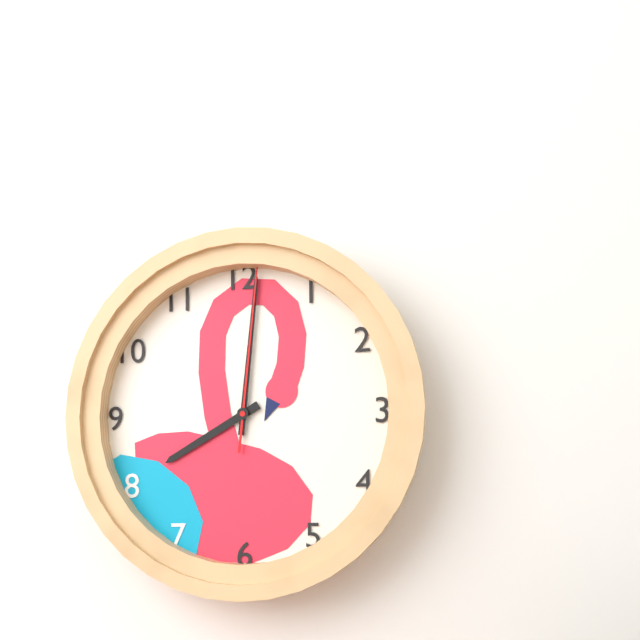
8:01:01
